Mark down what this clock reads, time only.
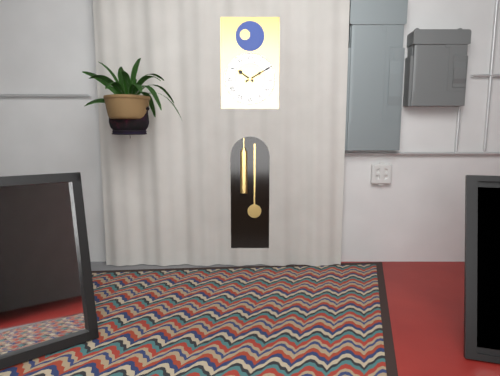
10:10
